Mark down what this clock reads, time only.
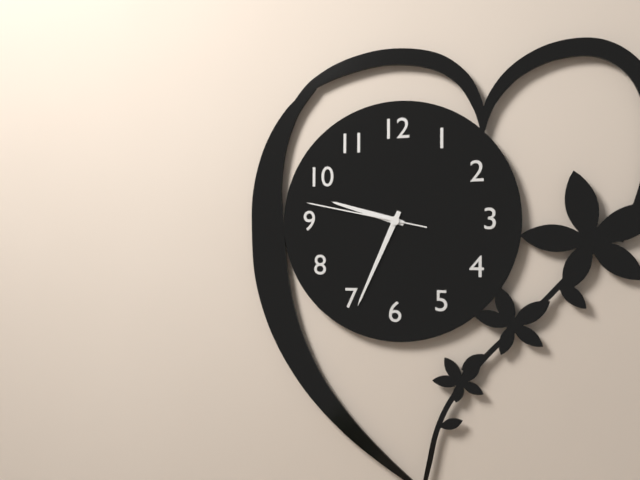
9:34:47
